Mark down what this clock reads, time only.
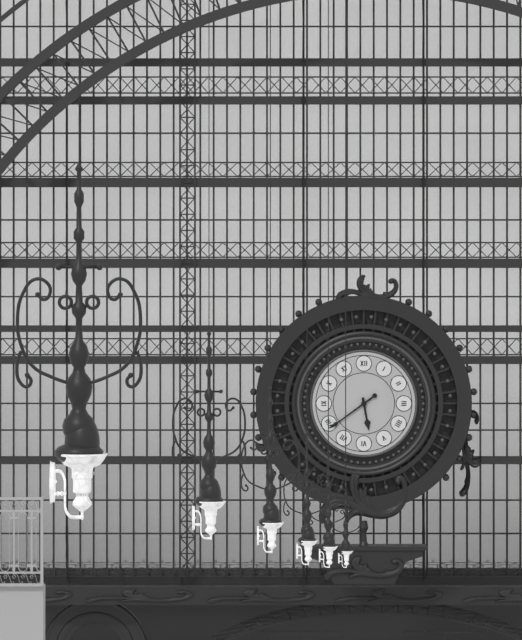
5:39
